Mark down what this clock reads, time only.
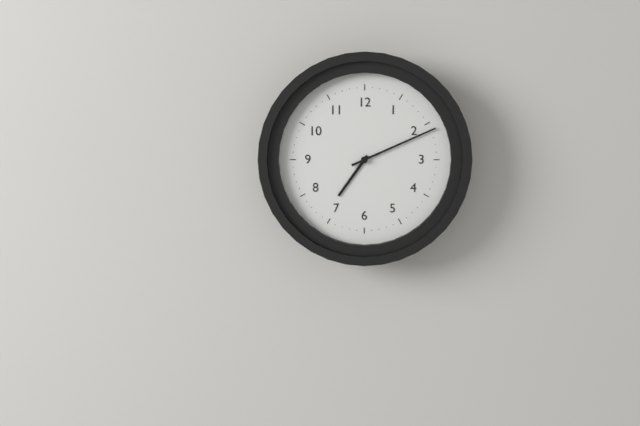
7:11
